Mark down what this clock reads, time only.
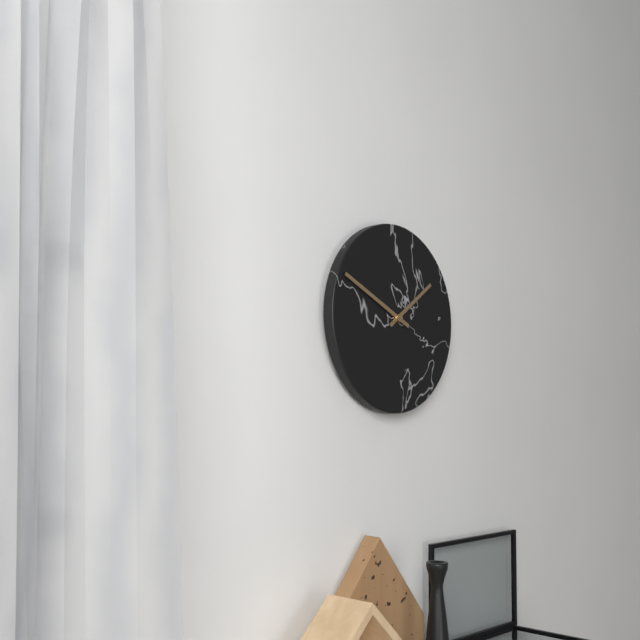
1:49
